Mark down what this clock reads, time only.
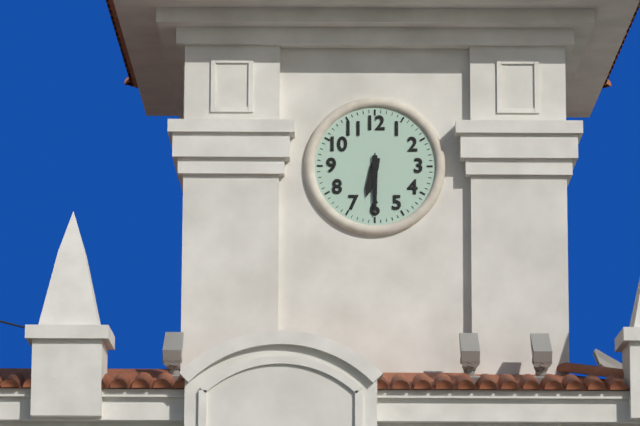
6:30:30
